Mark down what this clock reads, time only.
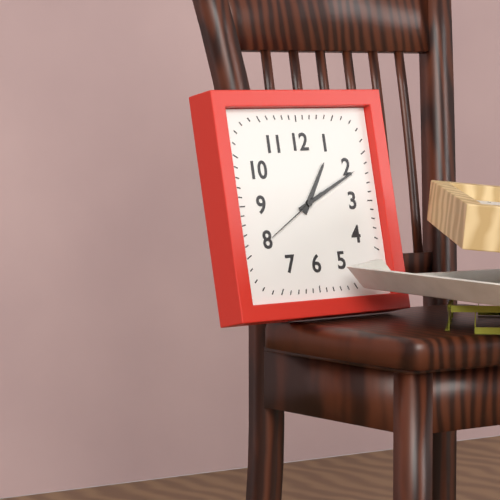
1:11:40
